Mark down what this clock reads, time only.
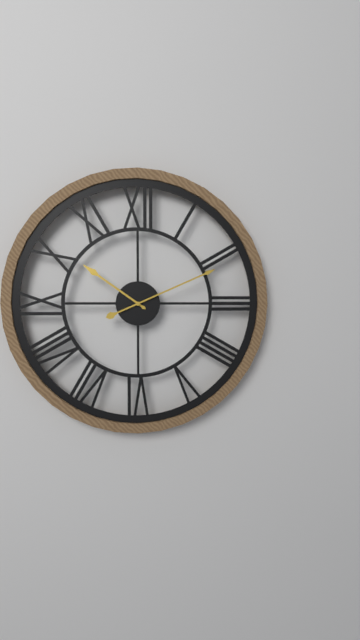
10:11
